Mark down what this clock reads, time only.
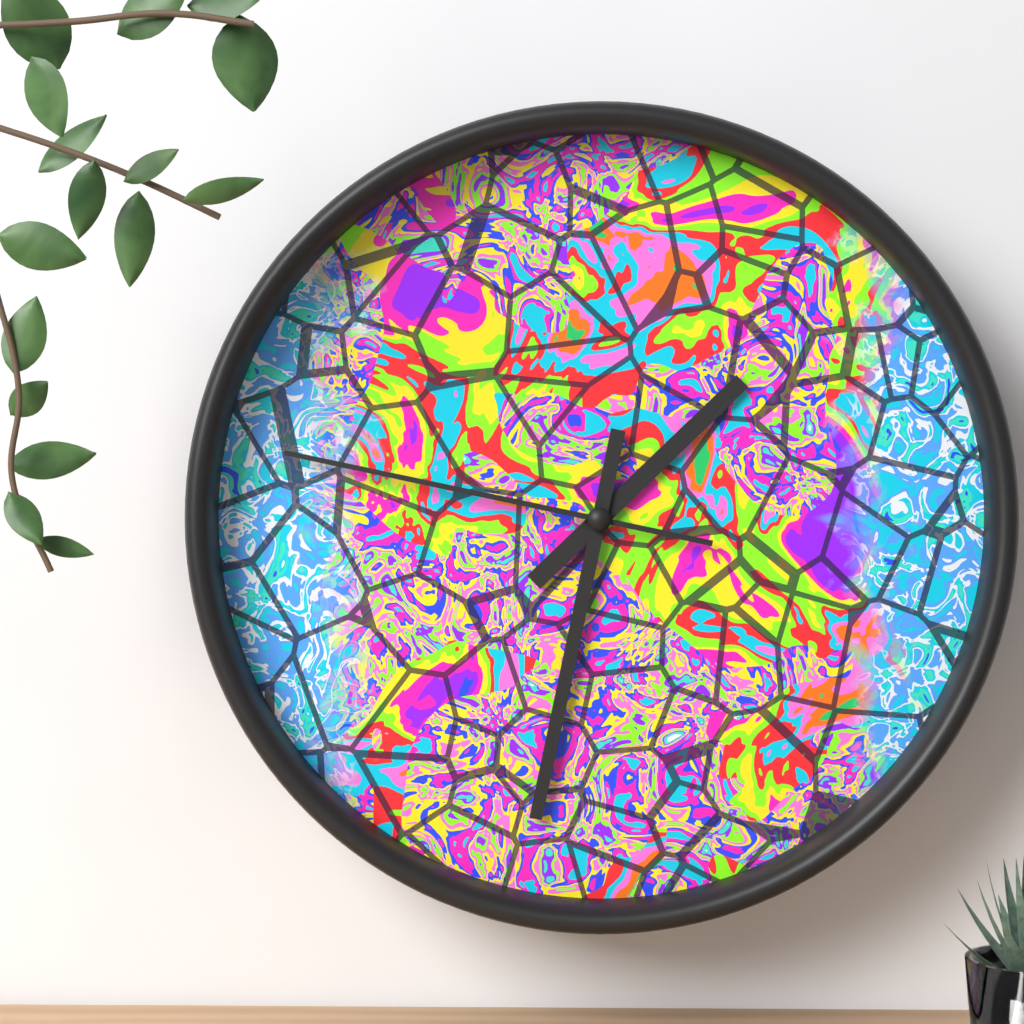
1:32:47
